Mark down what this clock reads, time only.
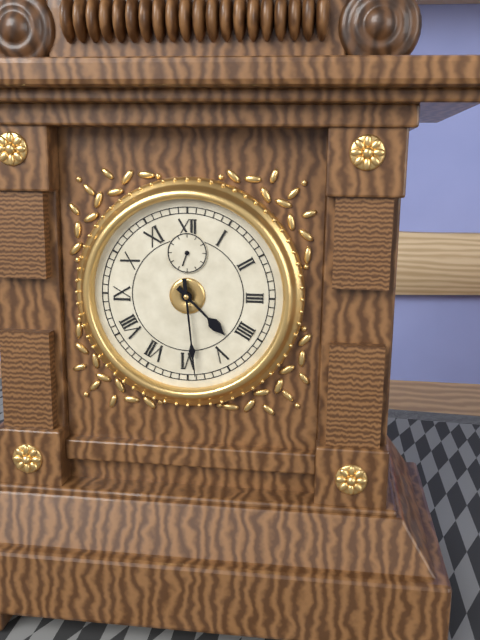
4:29
